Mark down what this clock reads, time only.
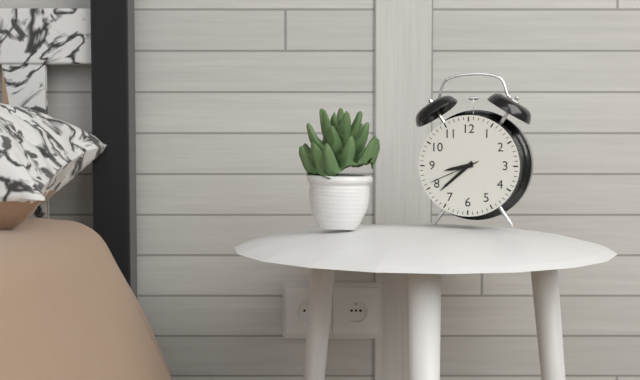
8:38:41
